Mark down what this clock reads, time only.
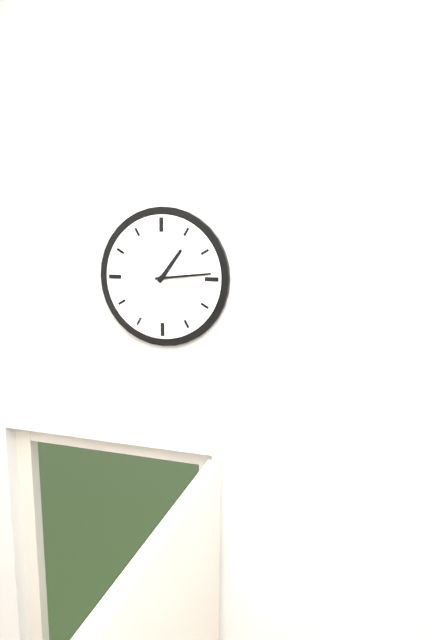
1:14
